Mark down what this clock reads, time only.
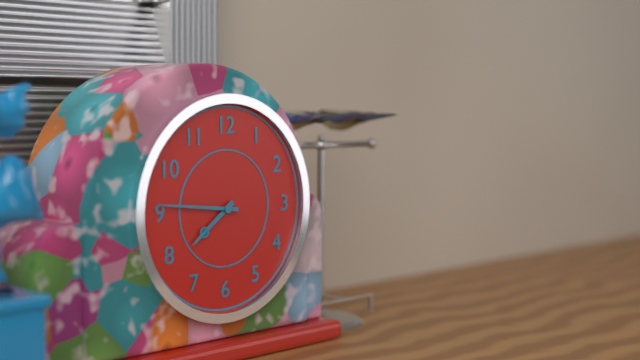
7:46
